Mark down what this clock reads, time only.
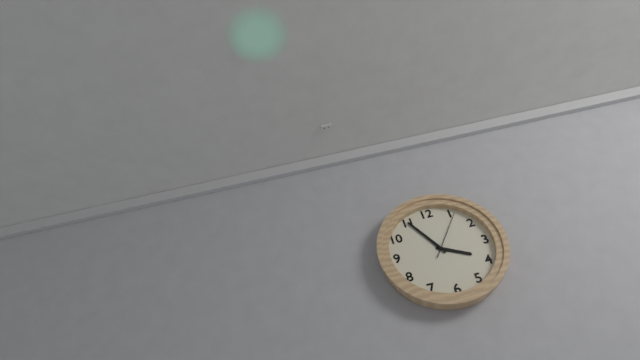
3:55
